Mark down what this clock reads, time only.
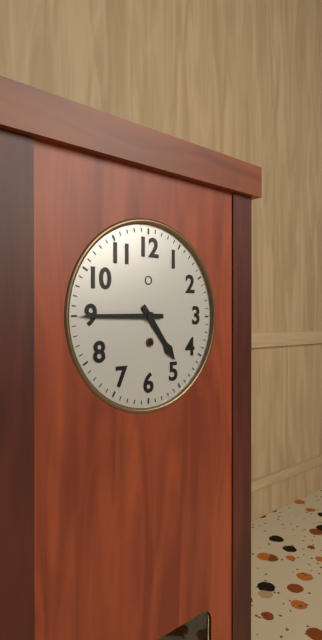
4:45
